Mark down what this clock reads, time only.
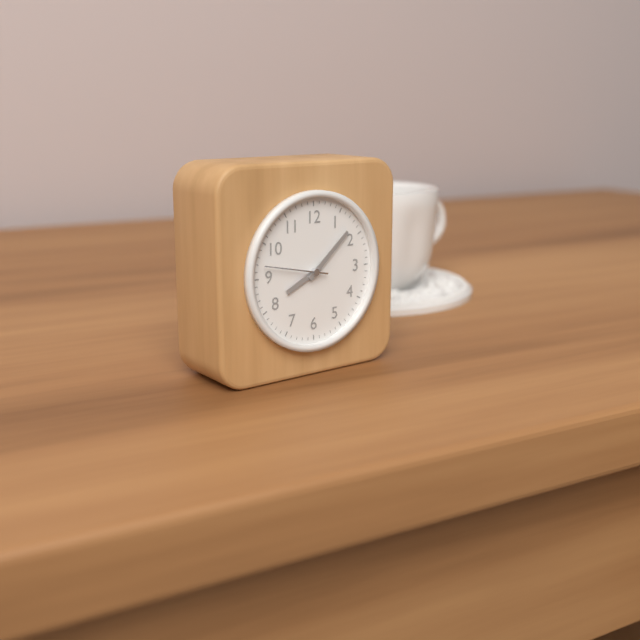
8:08:47
